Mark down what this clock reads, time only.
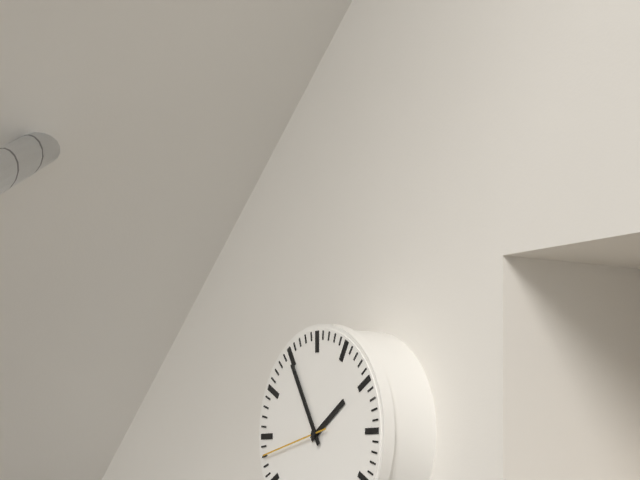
1:55:43
